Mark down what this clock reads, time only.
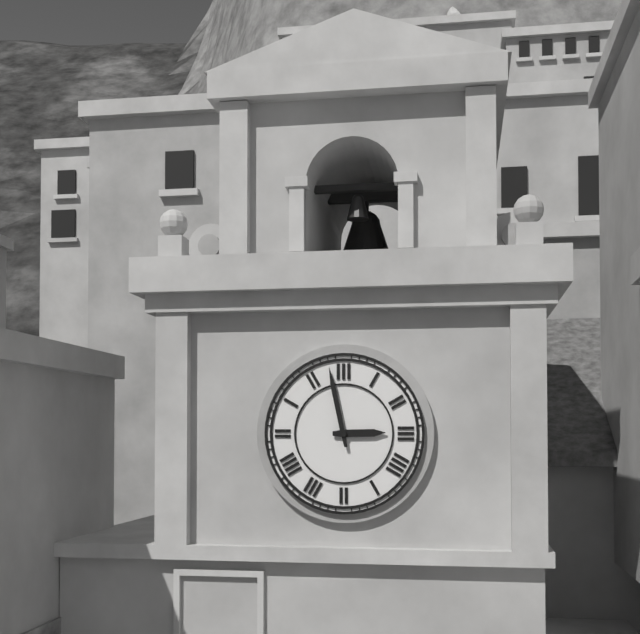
2:58
